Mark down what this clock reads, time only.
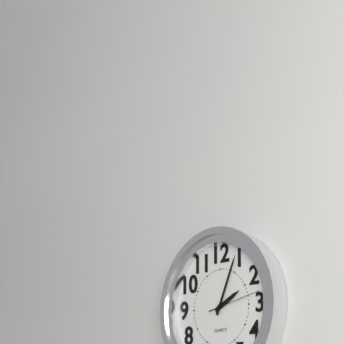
2:04:13
